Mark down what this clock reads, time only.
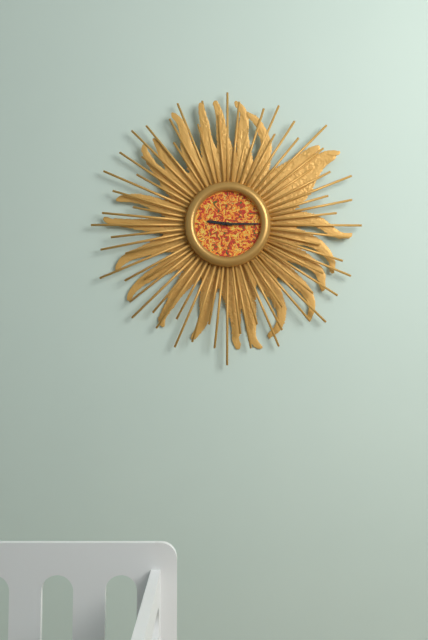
9:15
